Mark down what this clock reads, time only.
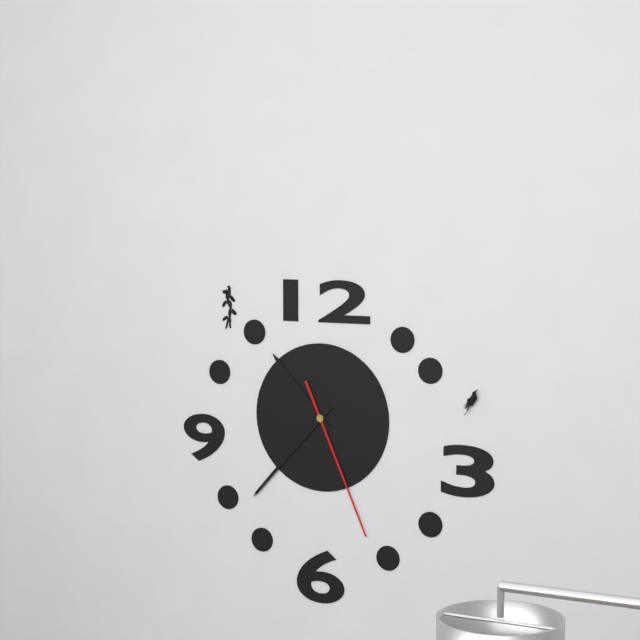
10:37:26
